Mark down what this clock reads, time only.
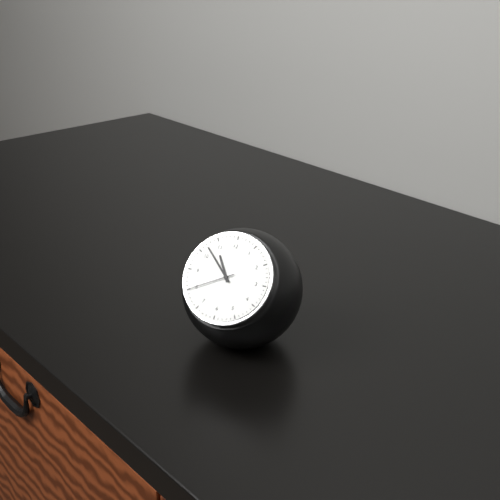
10:52
